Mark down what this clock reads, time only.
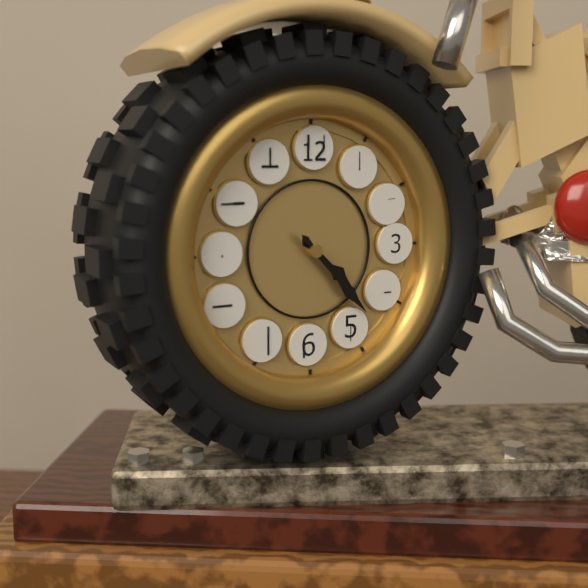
4:23
